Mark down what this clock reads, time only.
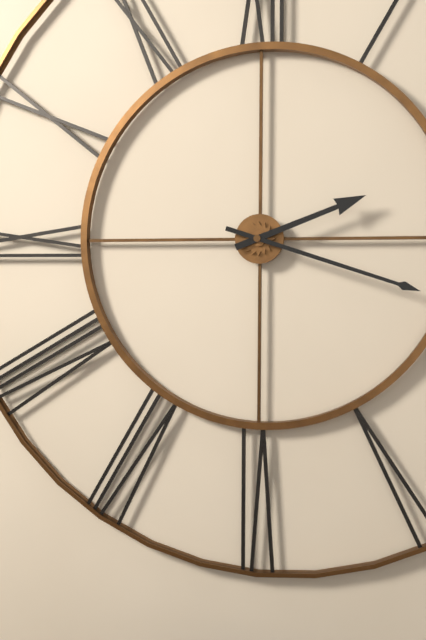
2:18
